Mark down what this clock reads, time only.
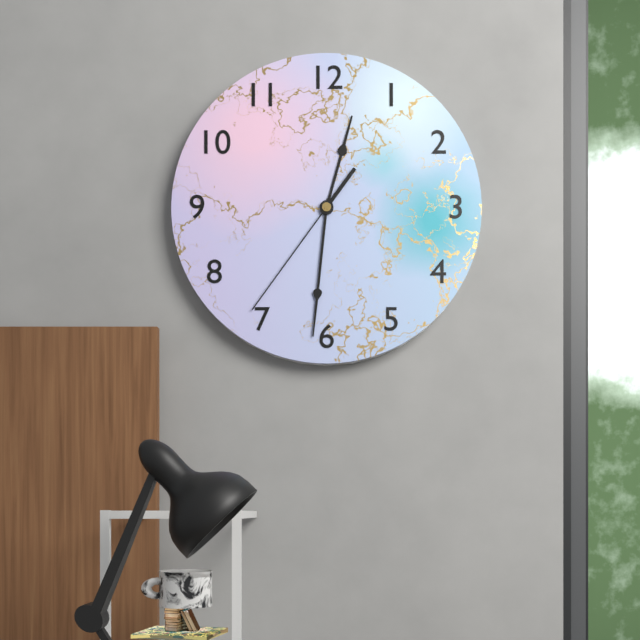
12:31:36
